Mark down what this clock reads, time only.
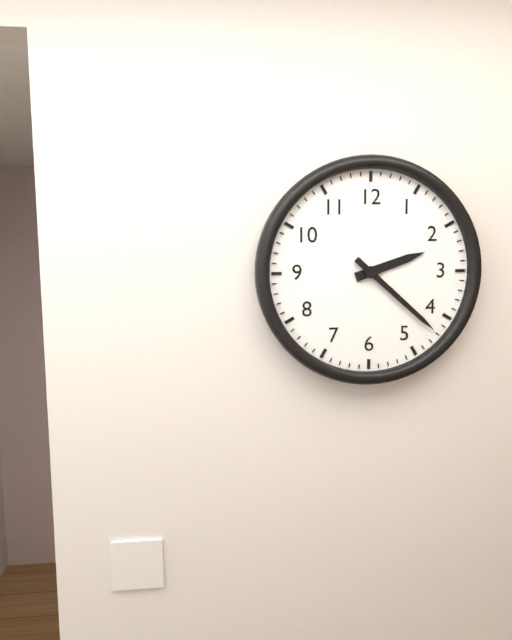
2:22
